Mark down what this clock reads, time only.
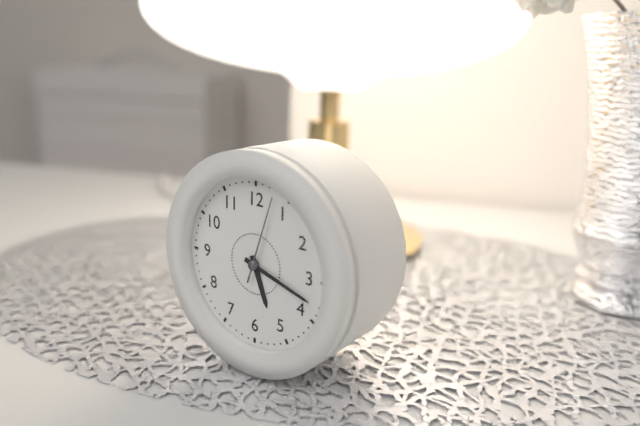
5:18:03
